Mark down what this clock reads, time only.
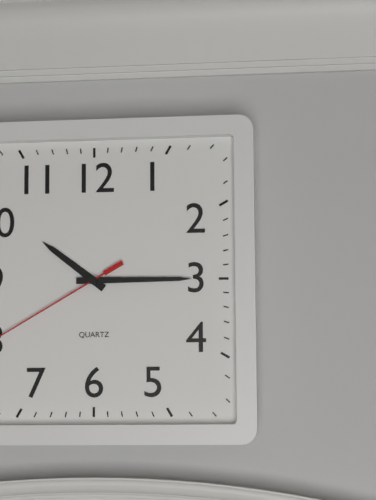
10:15
